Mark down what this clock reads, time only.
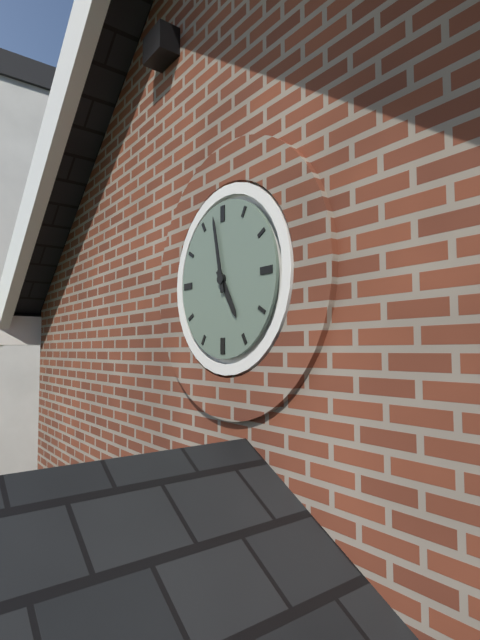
4:58
